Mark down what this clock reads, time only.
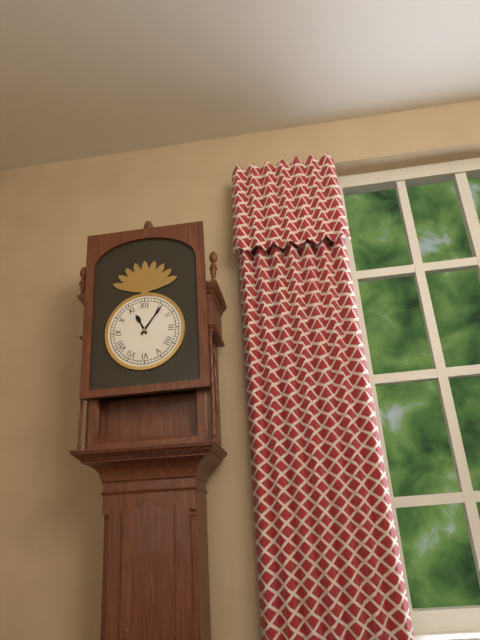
11:06
